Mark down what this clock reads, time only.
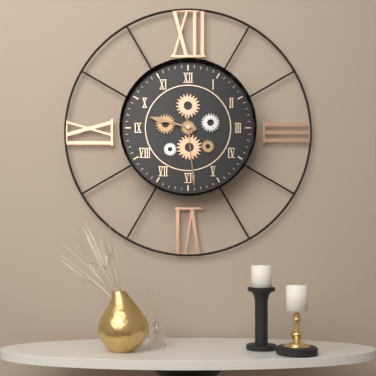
9:29
